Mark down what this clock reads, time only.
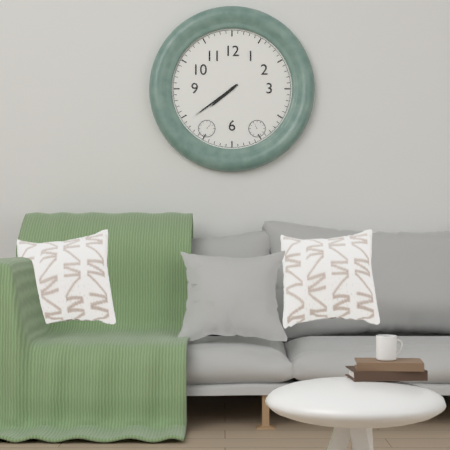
7:39
